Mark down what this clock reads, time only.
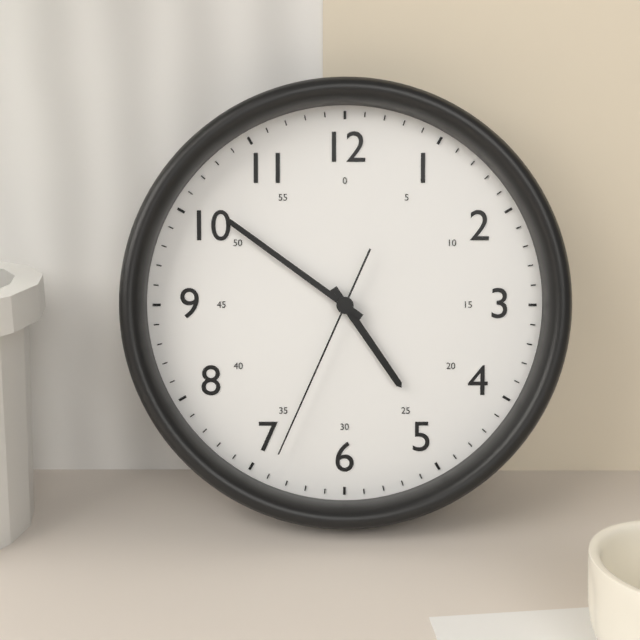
4:51:34
